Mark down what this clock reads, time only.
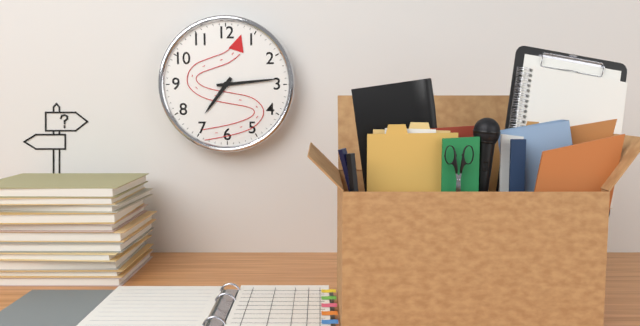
7:14
